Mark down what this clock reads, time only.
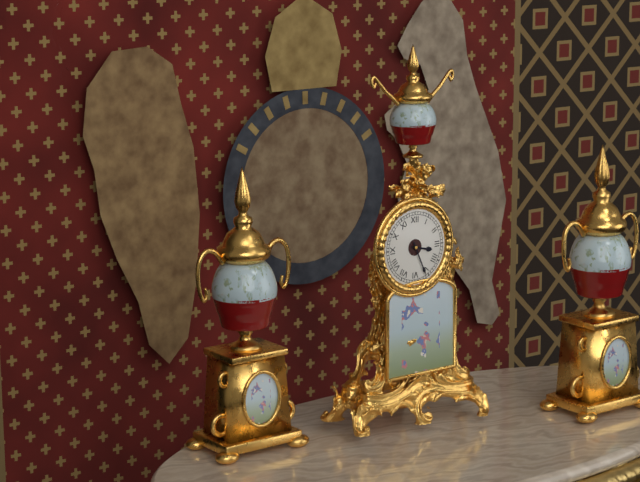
3:26
